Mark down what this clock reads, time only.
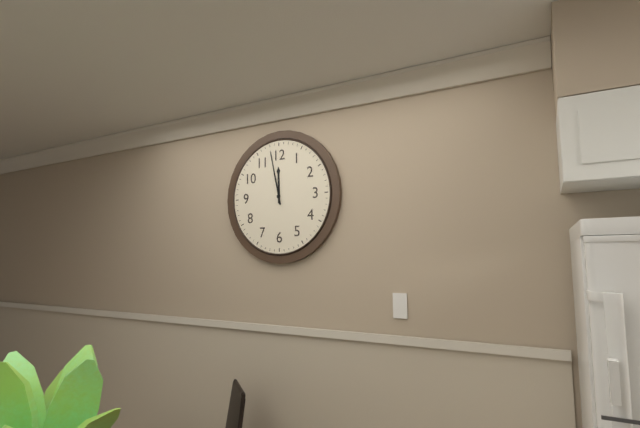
11:58
